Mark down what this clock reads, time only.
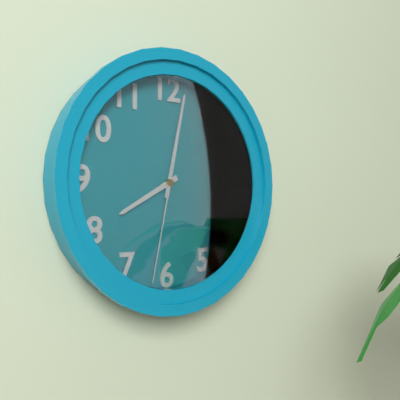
8:02:32
